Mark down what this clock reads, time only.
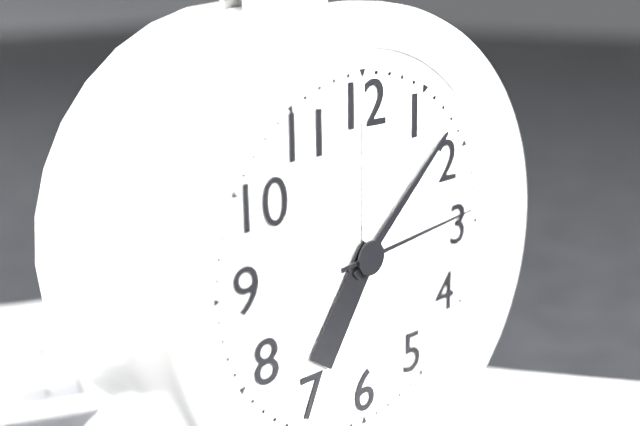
7:08:14
